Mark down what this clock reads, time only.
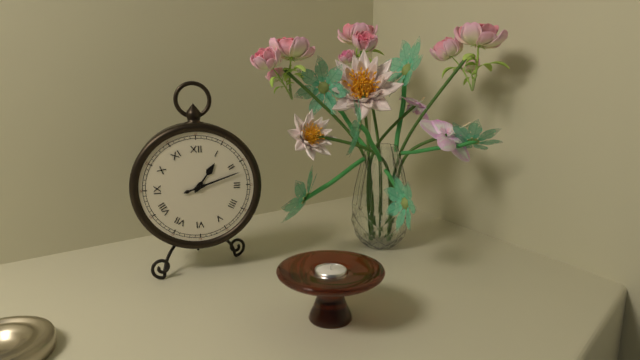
1:12
